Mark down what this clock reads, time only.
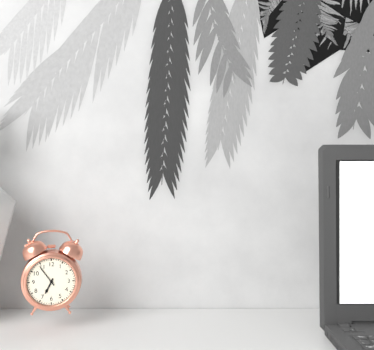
6:54
